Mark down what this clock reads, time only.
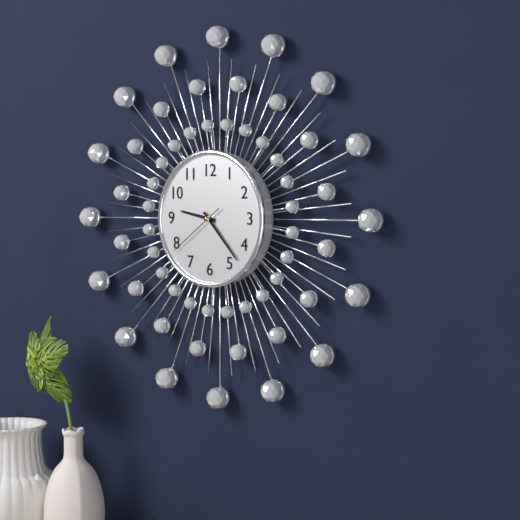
9:23:39
